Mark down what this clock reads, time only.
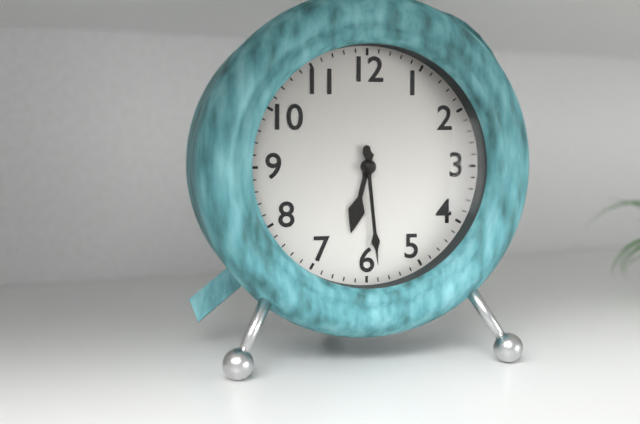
6:29
